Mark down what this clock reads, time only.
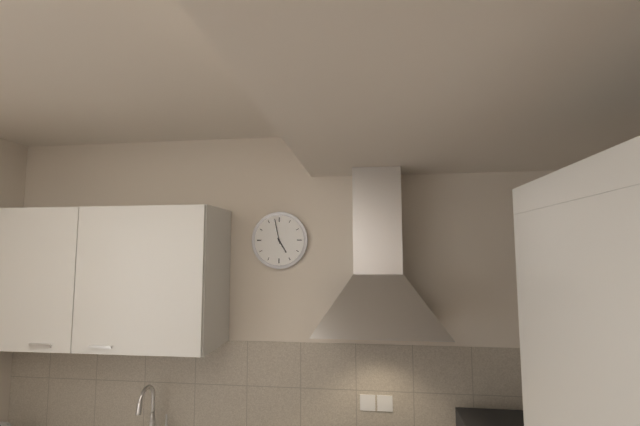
4:58
